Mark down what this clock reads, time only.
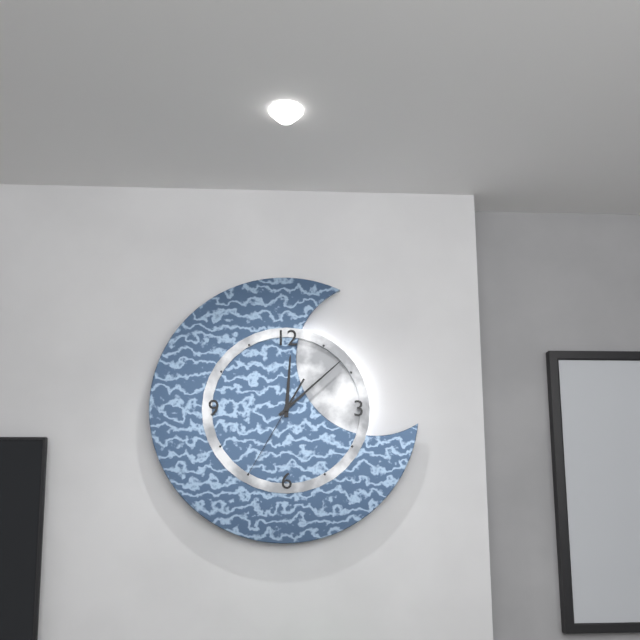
12:08:35
